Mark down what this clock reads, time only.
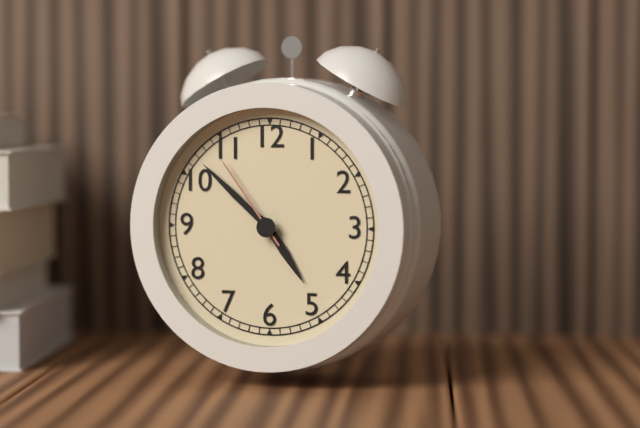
4:52:54
